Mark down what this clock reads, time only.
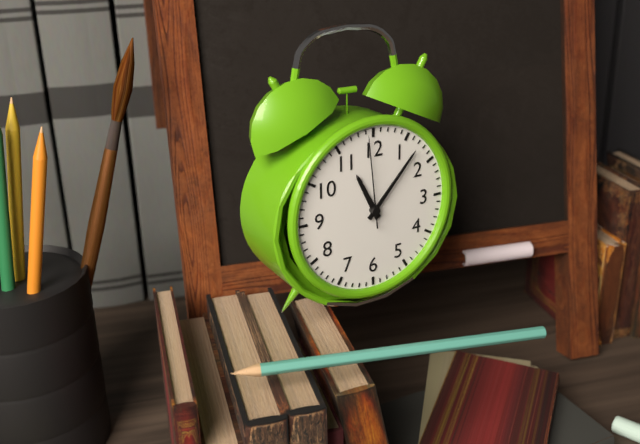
11:07:59
